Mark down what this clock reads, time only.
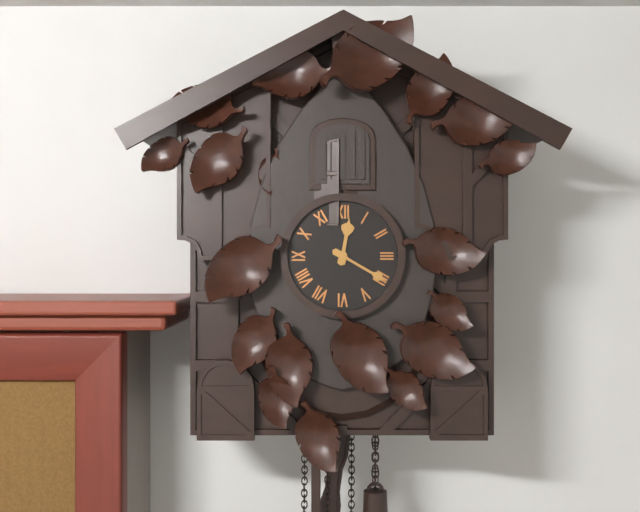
12:20
